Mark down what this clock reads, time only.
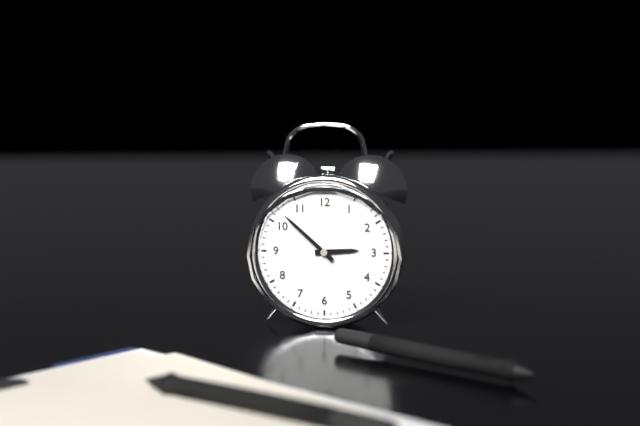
2:52
